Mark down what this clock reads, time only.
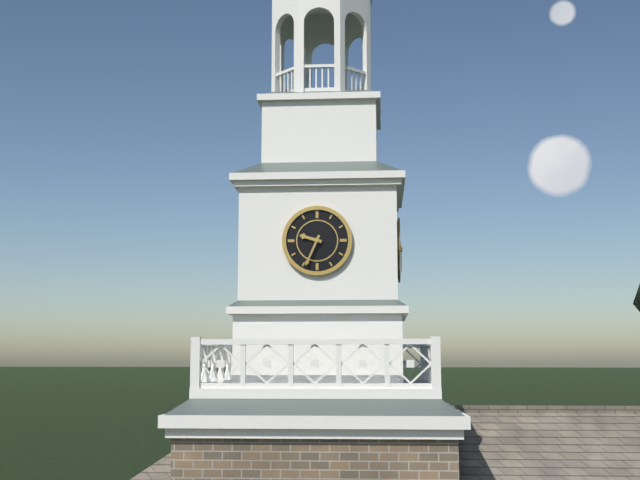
9:34
